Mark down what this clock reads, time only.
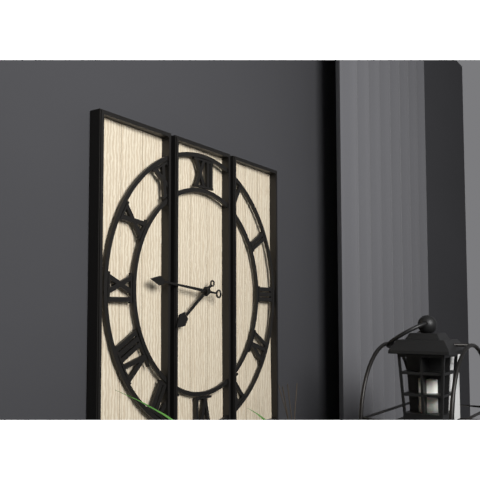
7:46
